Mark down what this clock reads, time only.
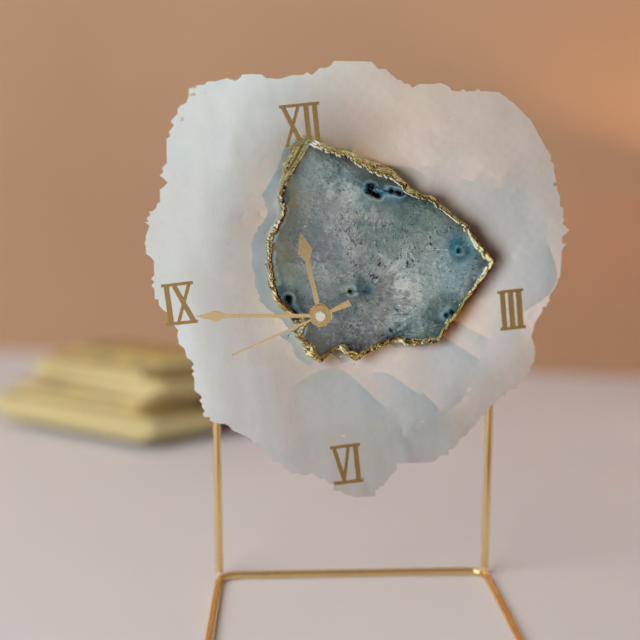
11:46:42
